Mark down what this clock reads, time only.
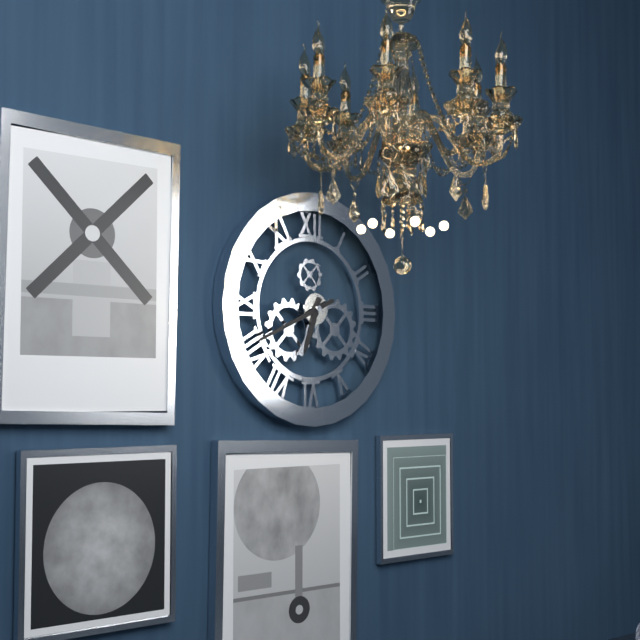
6:41
